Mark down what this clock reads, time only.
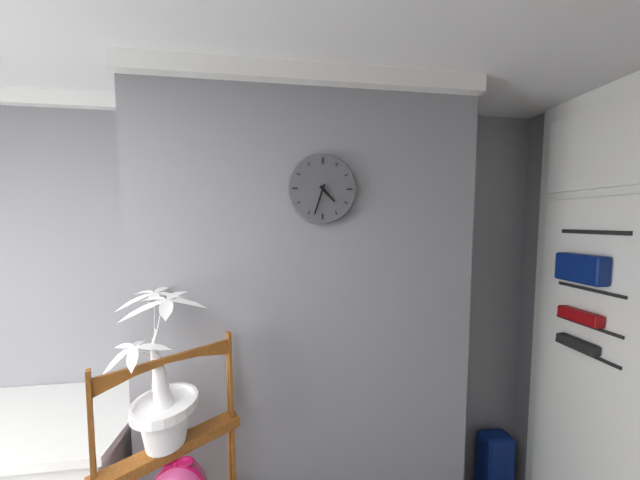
4:33
